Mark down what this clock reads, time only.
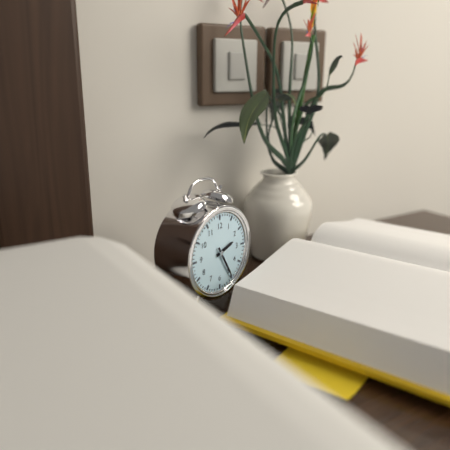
2:25
